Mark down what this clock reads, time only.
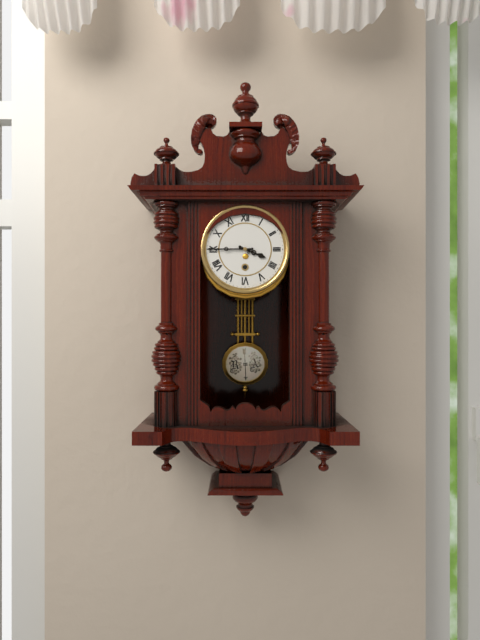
3:45
